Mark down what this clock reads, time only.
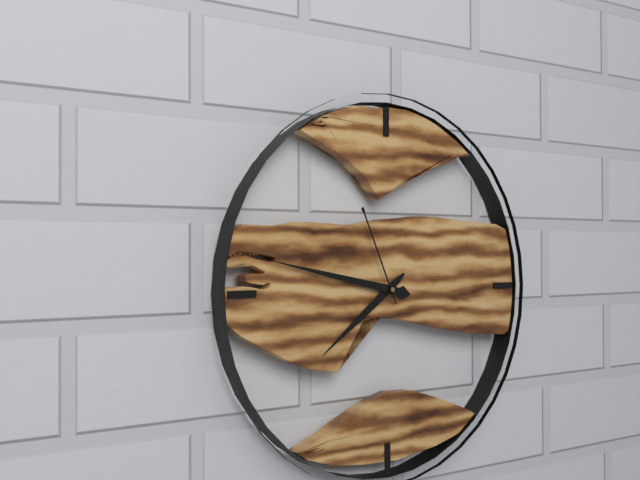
7:47:56
